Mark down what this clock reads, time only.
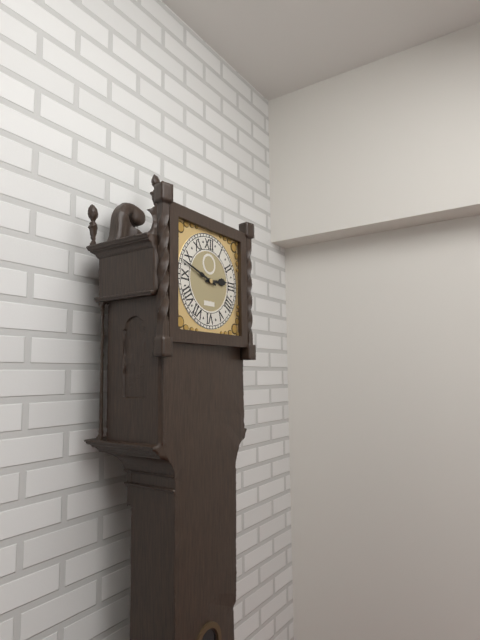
2:48
